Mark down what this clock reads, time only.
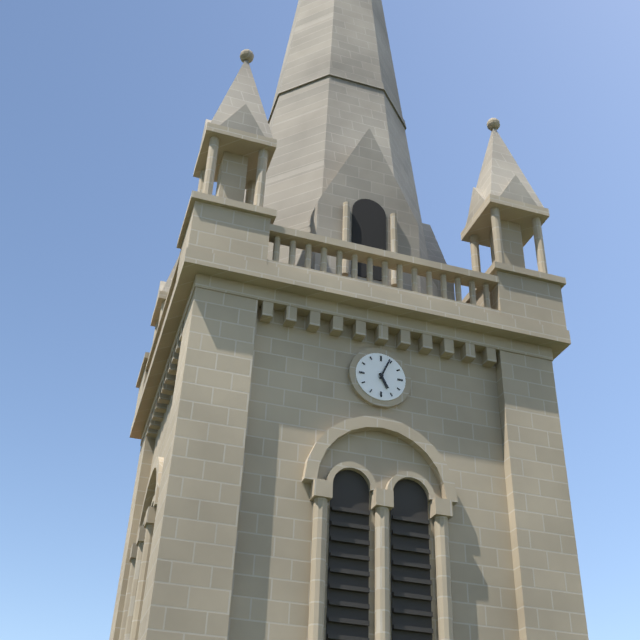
5:04
